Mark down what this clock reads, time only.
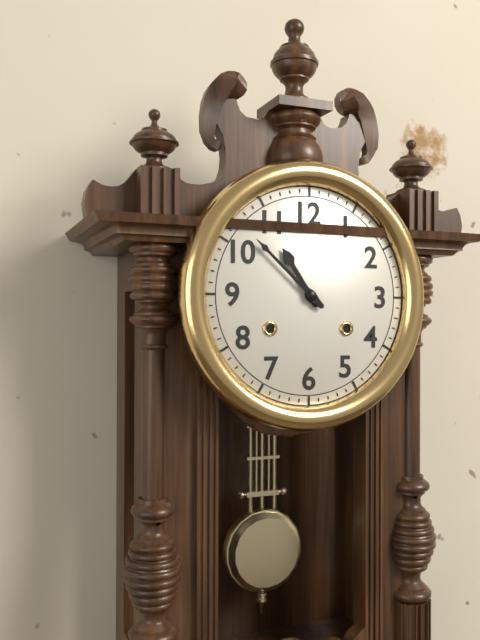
10:52
